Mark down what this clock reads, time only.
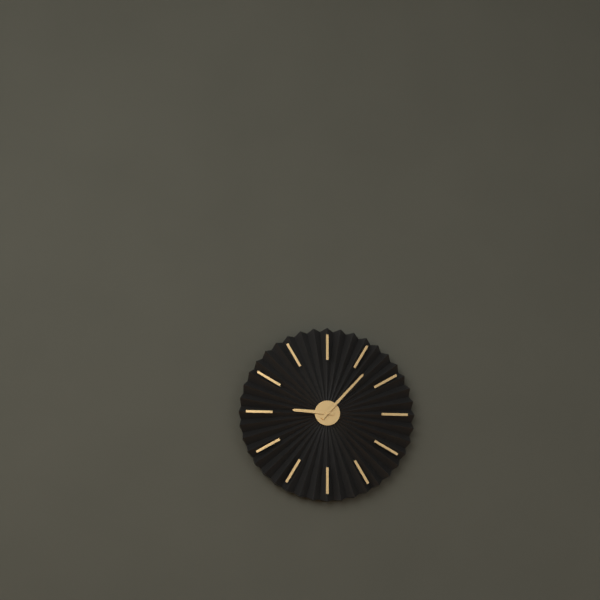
9:07
